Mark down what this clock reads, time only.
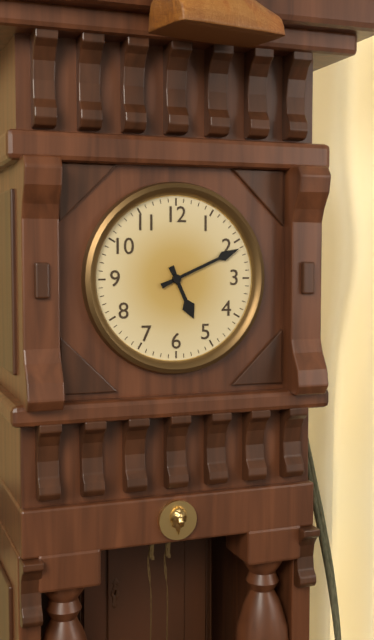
5:11
